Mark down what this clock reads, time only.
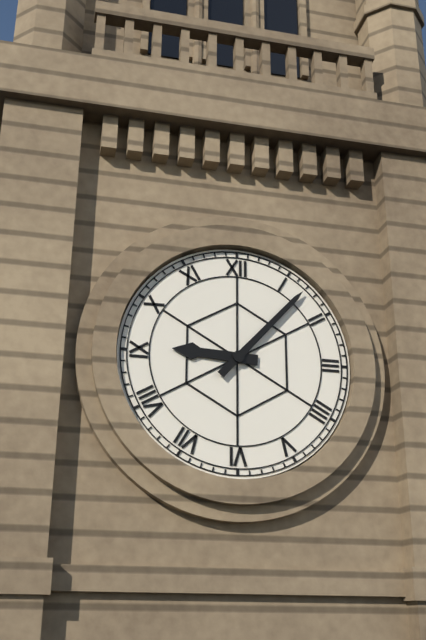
9:07
